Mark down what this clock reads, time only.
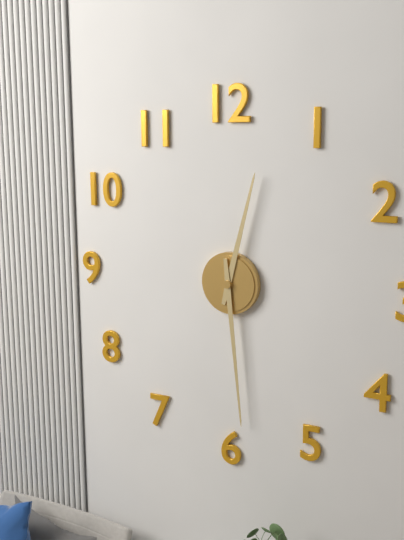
12:29
